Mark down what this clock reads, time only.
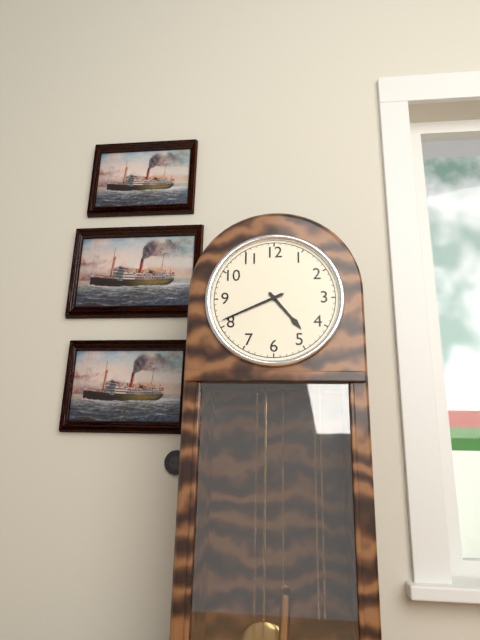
4:41
